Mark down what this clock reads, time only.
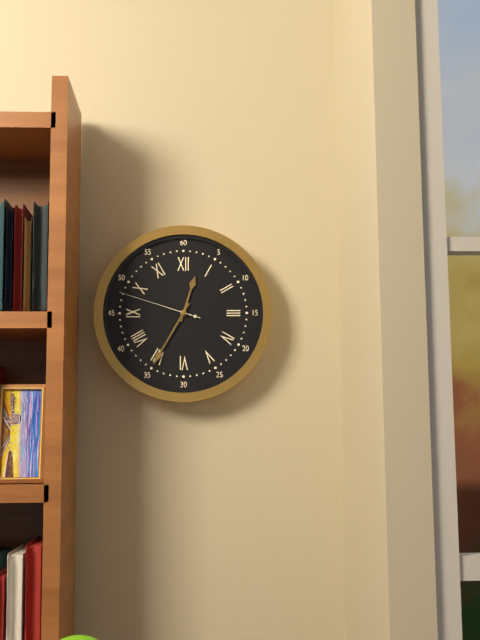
12:35:48
